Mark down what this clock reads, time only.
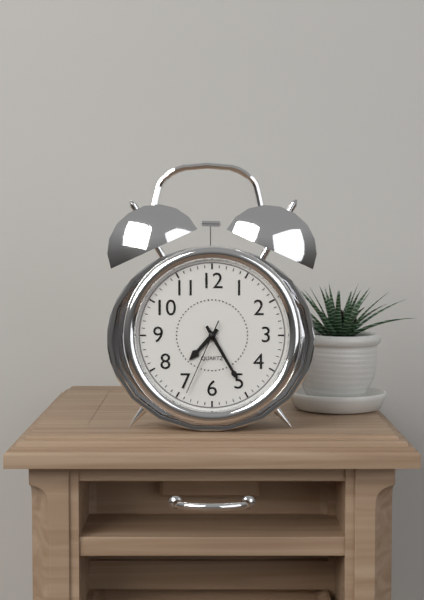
7:25:34
